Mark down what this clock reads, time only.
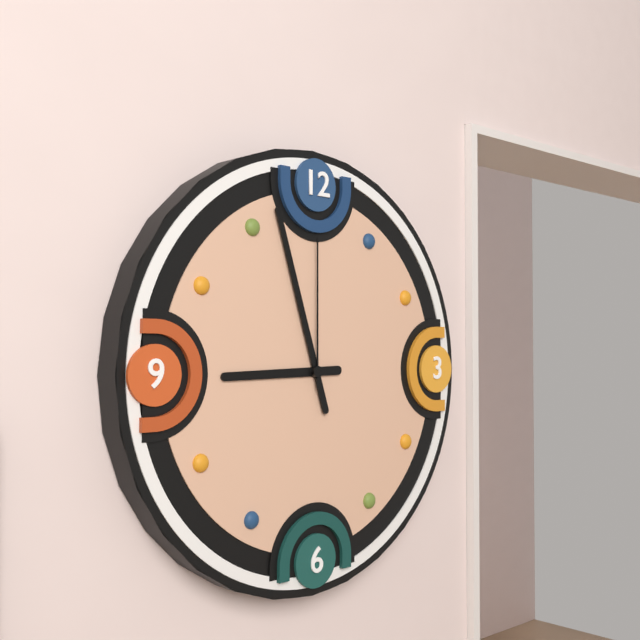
8:57:00
